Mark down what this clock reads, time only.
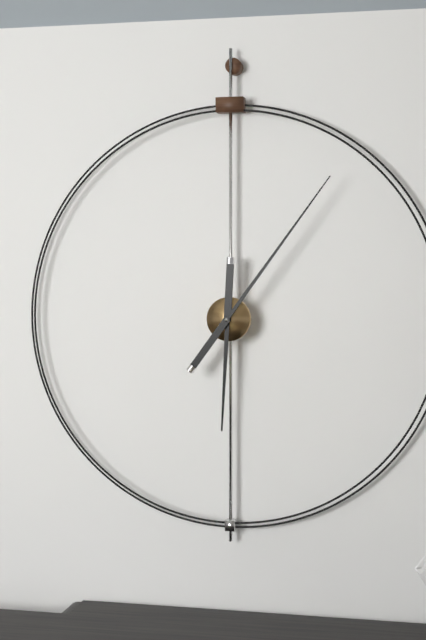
6:06
